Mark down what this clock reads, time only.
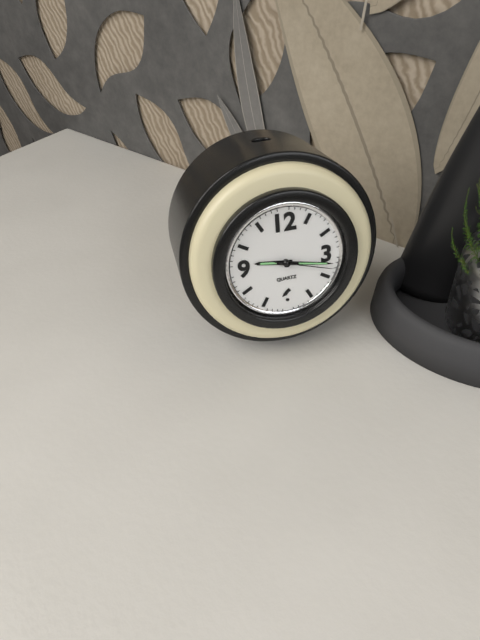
9:17:18
